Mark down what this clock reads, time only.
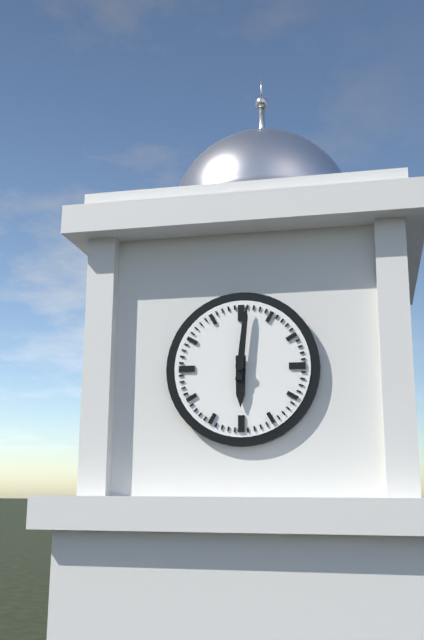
6:01
